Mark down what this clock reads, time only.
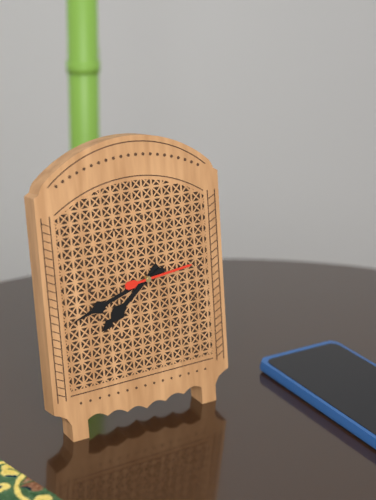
7:42:14
